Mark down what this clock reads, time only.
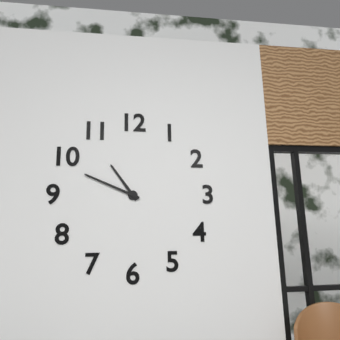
10:49
